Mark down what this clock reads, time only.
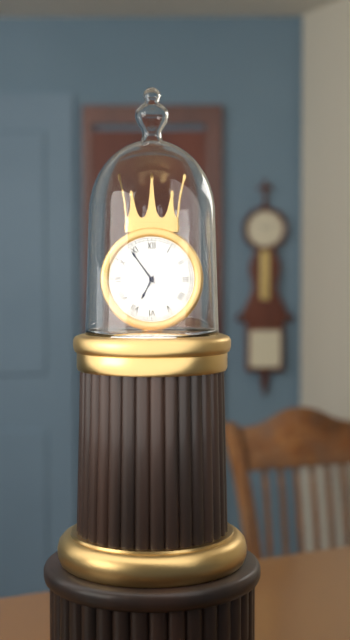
6:54
